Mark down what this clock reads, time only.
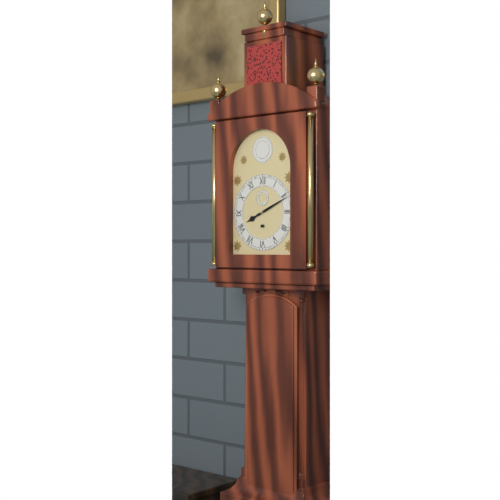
8:11
